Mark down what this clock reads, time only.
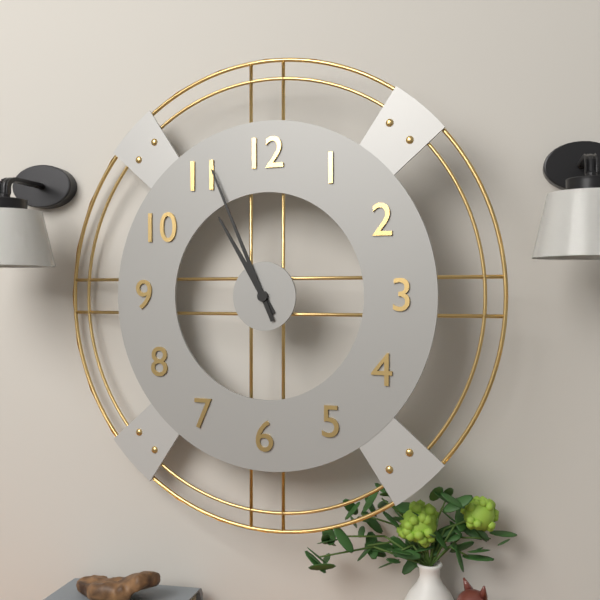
10:56
